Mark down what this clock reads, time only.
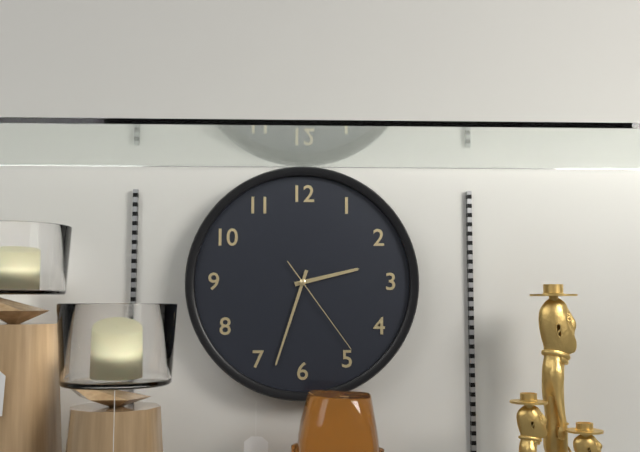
2:33:24
